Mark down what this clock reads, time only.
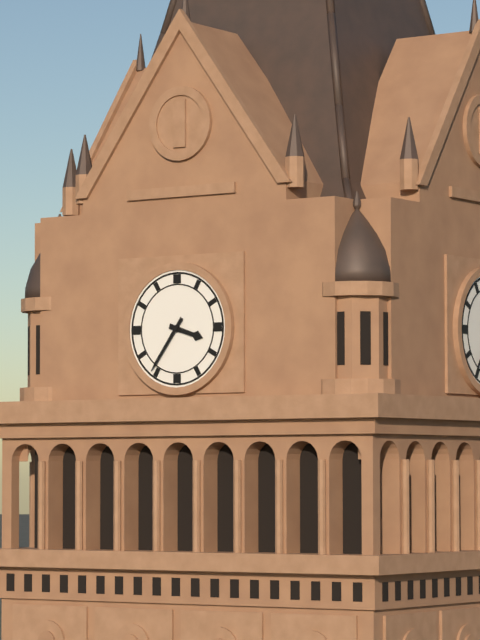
3:36
